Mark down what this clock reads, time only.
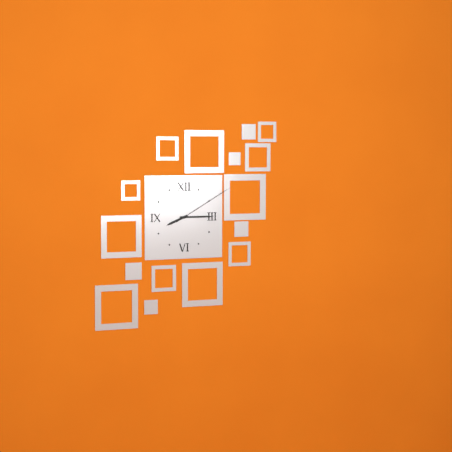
8:15:10
